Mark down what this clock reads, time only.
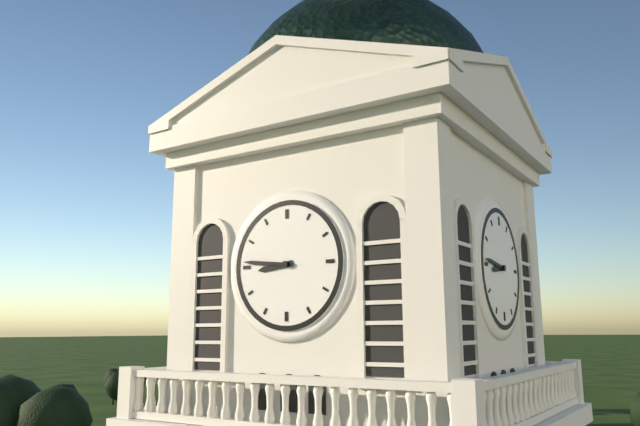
8:46
